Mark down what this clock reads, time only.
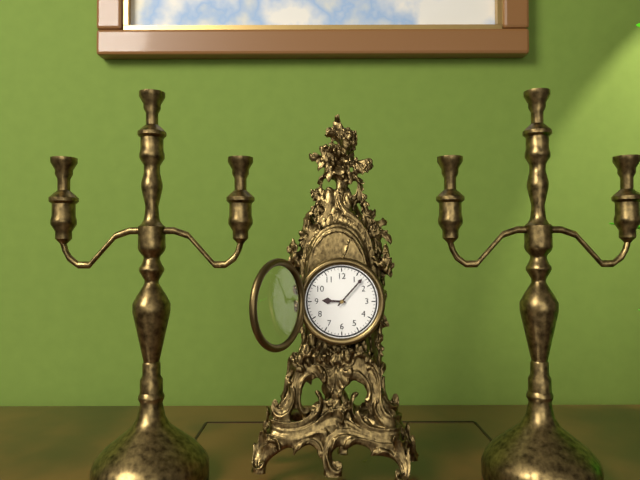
9:07
